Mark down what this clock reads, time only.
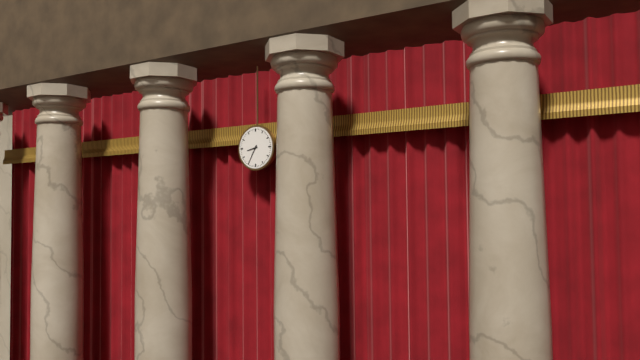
8:35
